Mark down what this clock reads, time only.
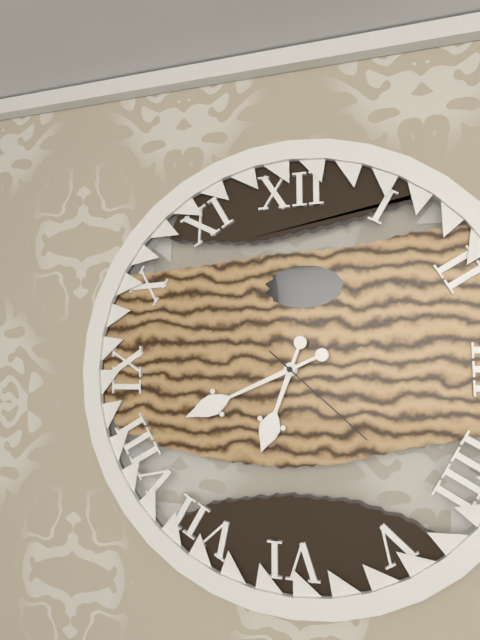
6:41:22
